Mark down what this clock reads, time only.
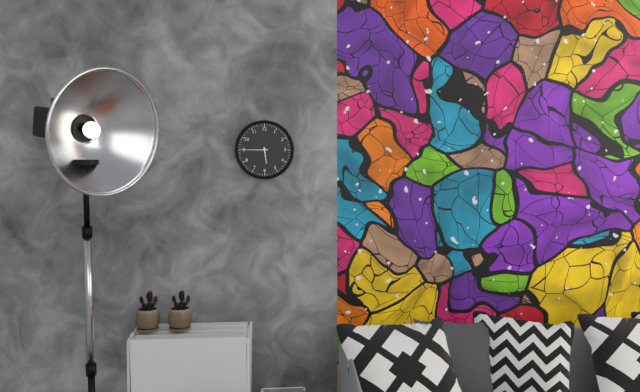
5:45
